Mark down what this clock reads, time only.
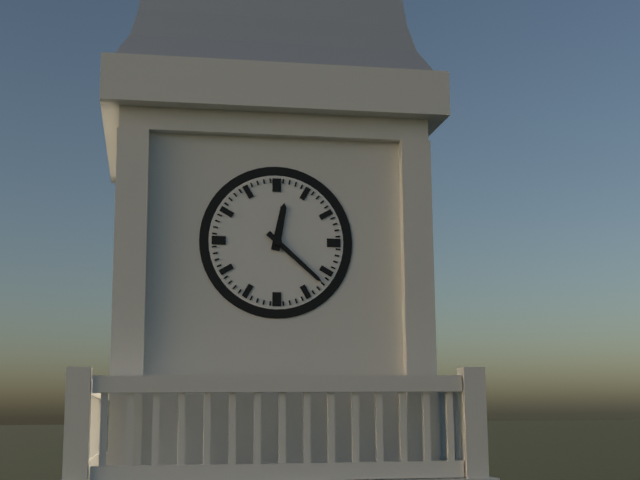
12:22
